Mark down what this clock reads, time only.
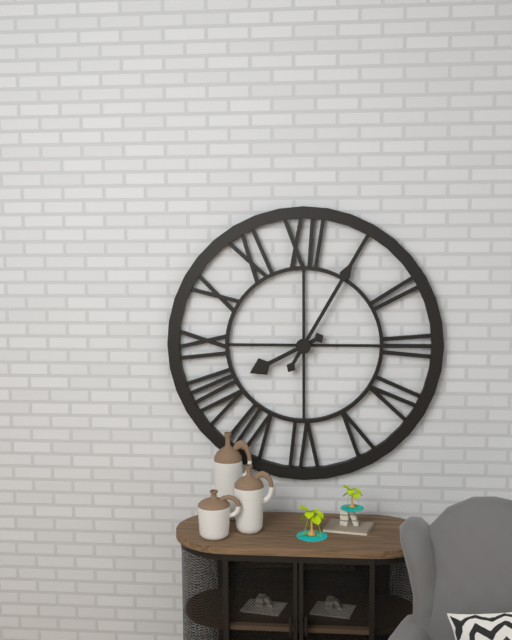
8:05
